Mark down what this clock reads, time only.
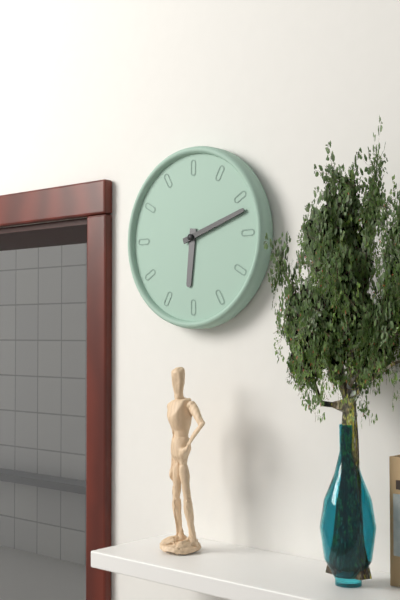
6:12
